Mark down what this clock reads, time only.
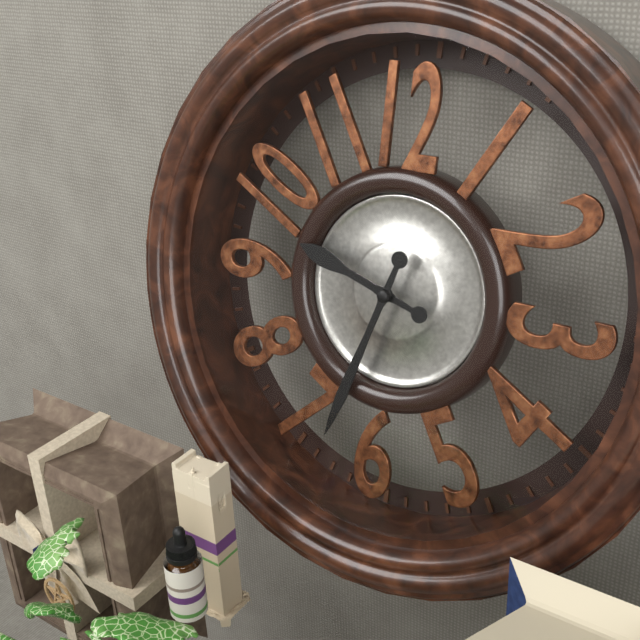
9:33
